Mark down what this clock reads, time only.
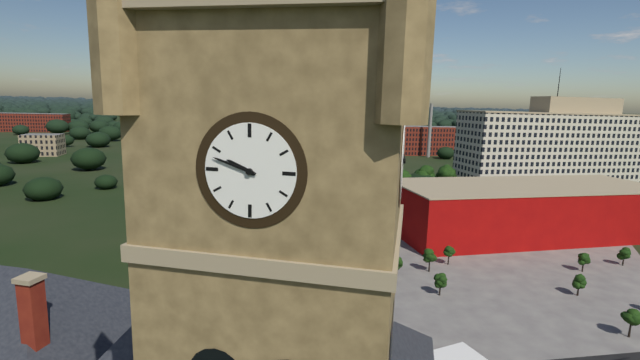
9:48
